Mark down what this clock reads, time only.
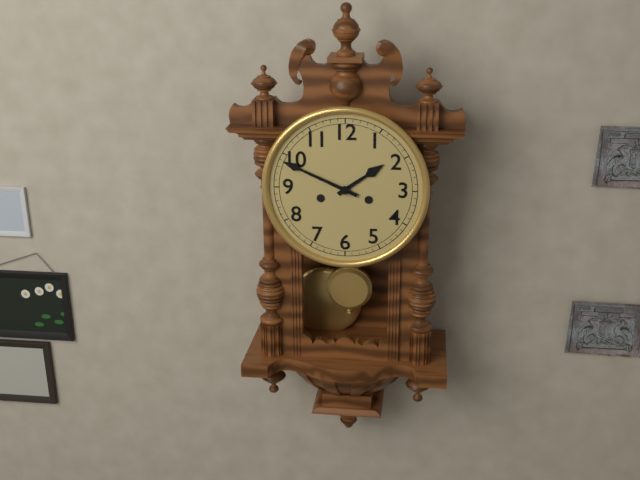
1:49
